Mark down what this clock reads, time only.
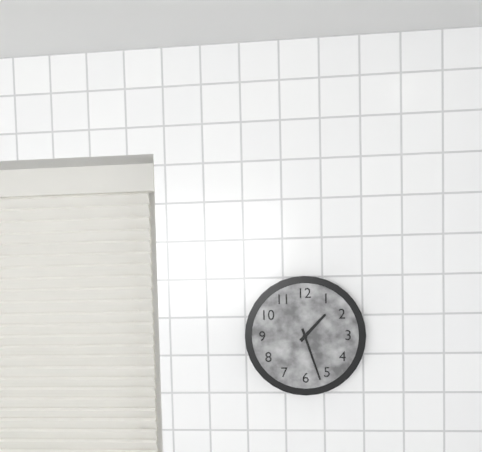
1:27
